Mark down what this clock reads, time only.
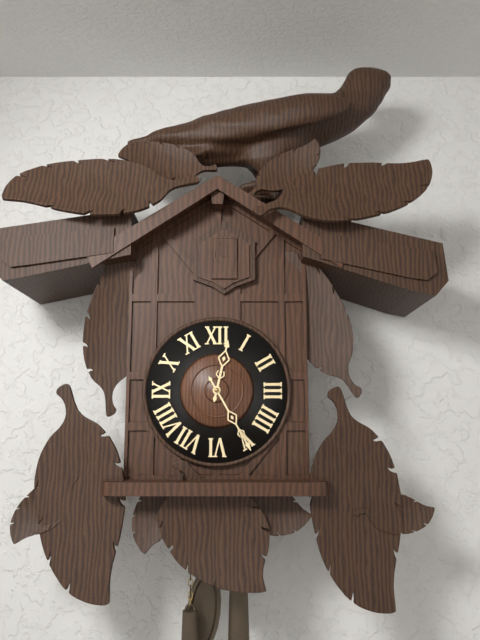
12:25
